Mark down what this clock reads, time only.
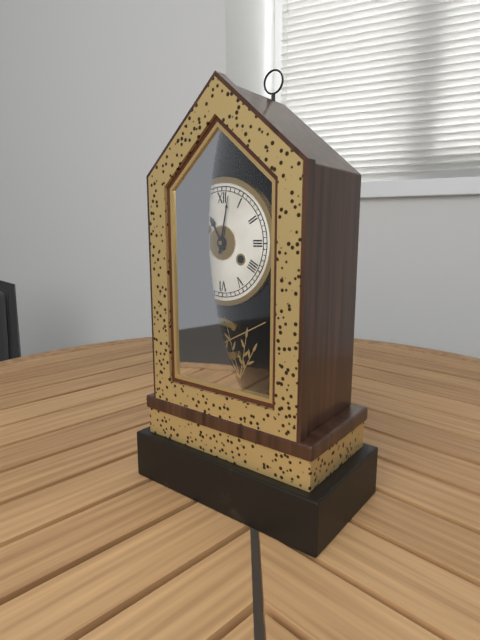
11:02
